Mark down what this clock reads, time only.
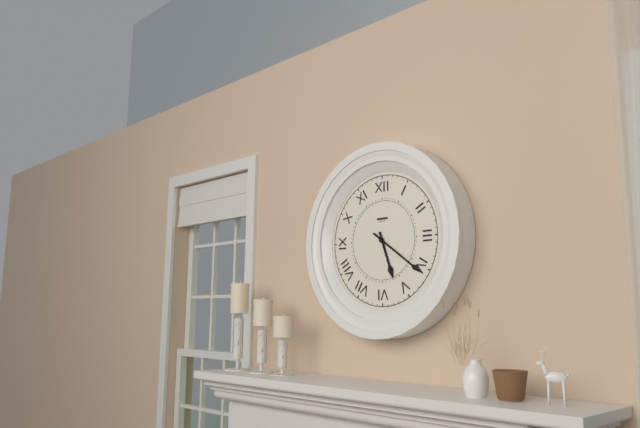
5:21
